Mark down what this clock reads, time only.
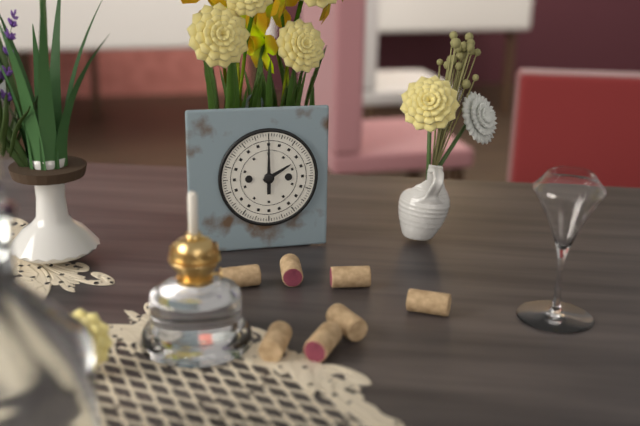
2:00
